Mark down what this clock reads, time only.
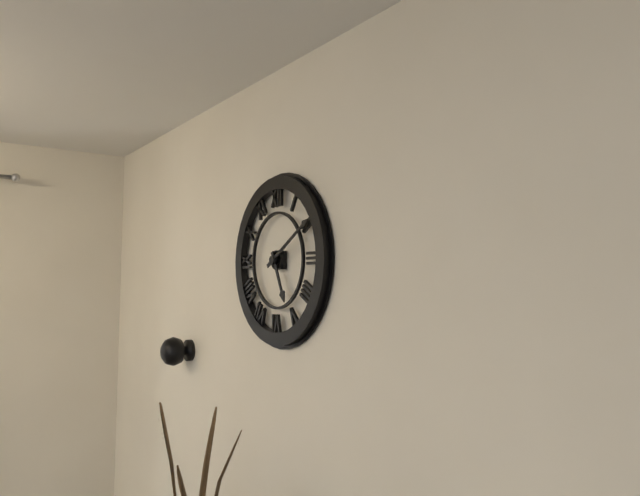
5:10
